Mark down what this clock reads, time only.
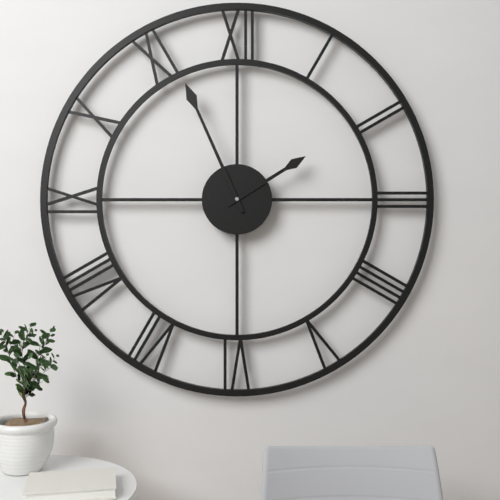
1:56
